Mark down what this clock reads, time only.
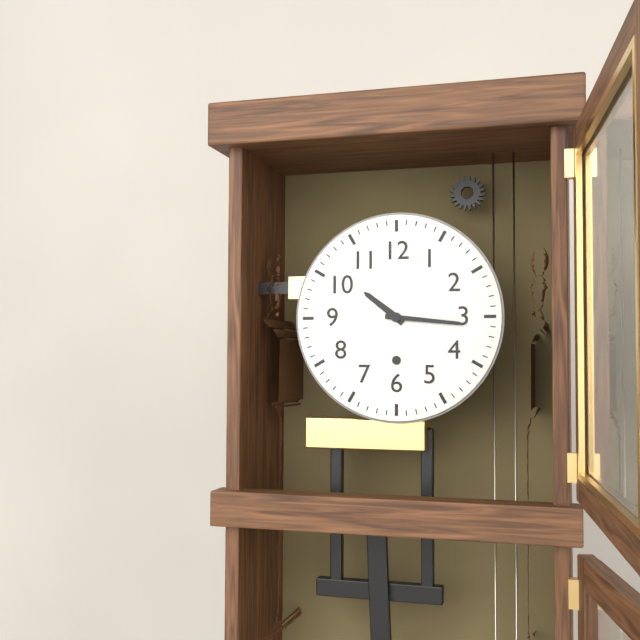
10:16
